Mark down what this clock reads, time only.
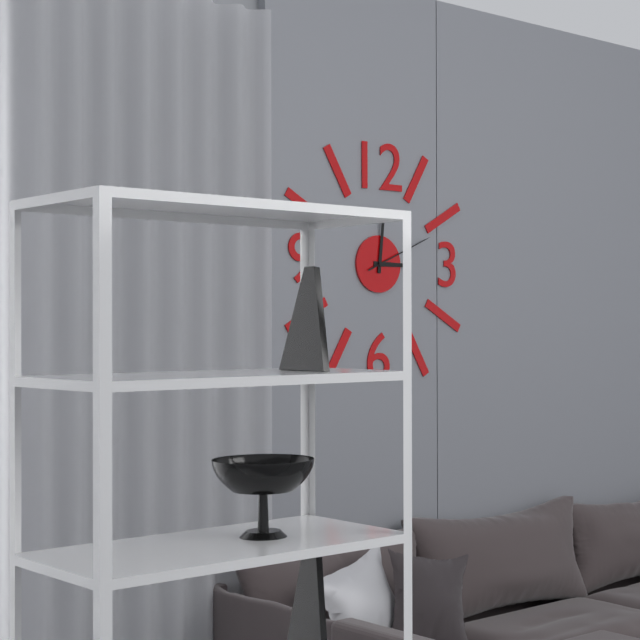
3:01:11
